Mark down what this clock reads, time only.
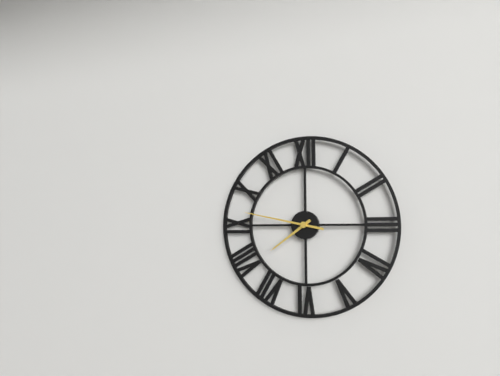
7:47
